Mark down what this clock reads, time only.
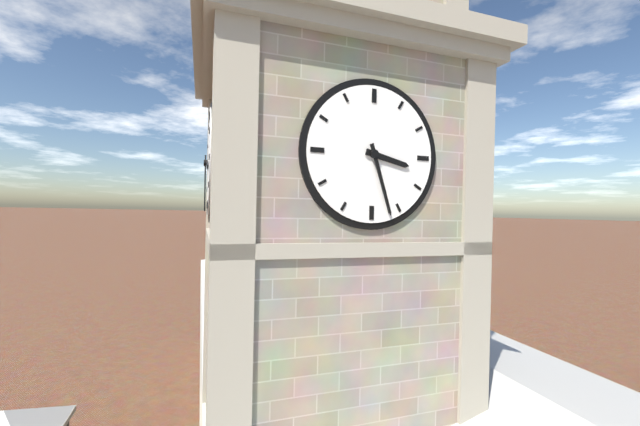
3:27
